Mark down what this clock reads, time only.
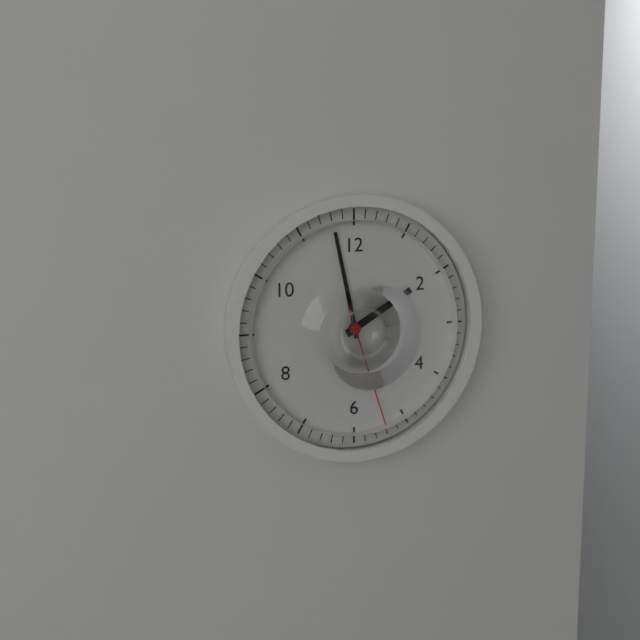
1:58:27
